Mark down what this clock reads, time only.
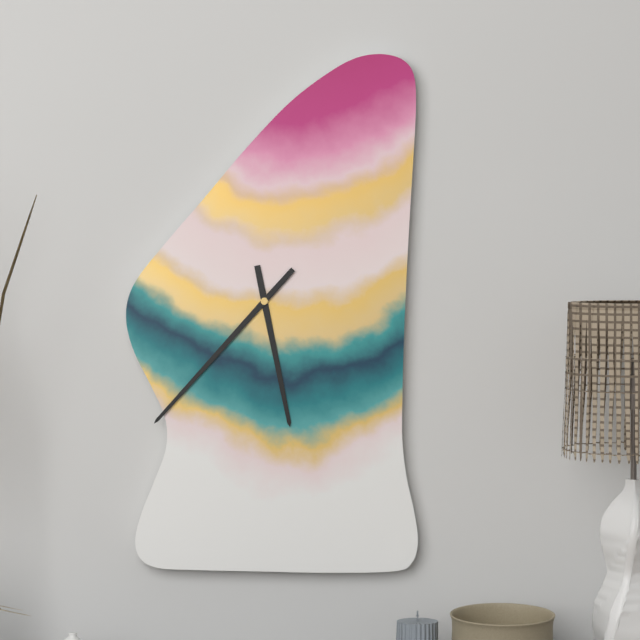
5:37
